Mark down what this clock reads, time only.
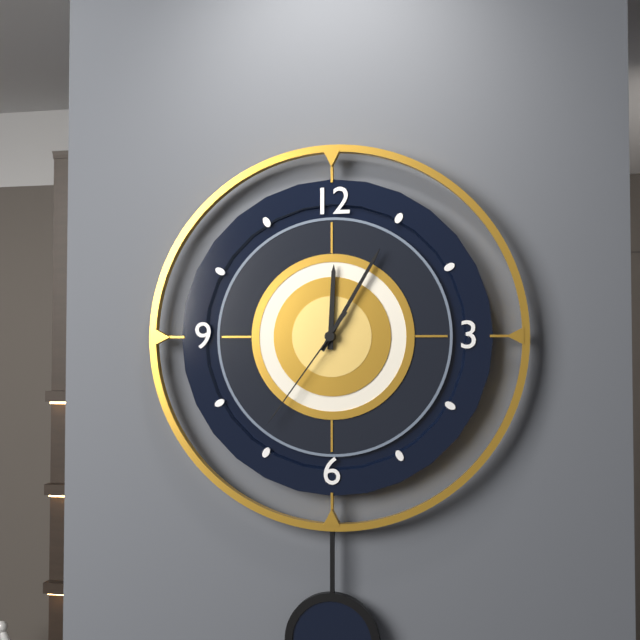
12:05:36
